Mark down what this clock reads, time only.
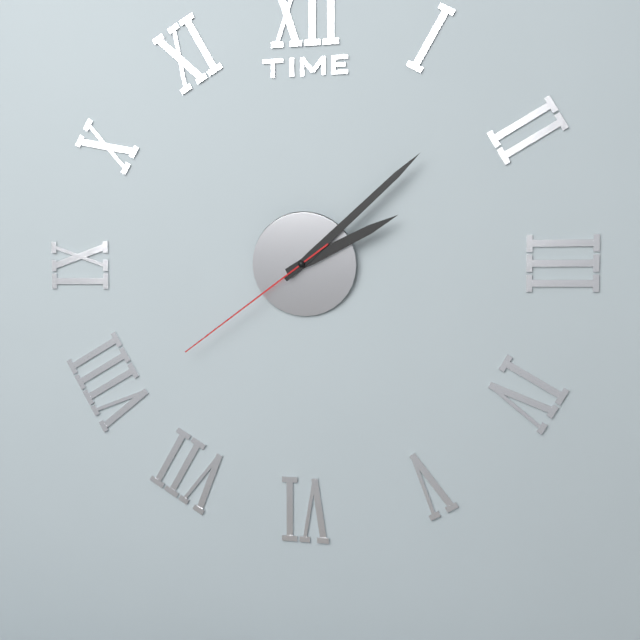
2:08:39
